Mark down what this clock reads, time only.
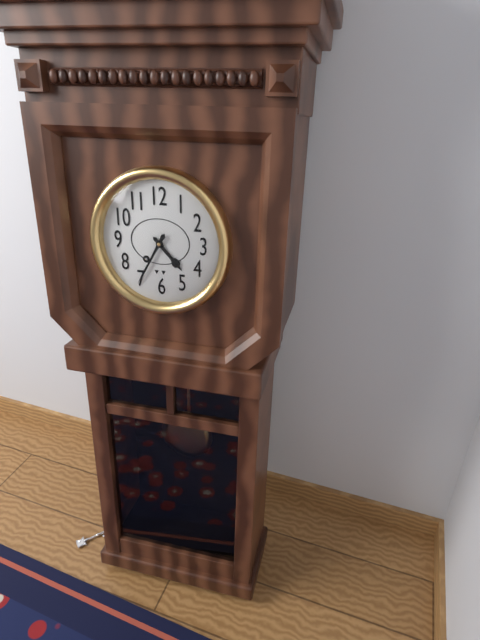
4:35
